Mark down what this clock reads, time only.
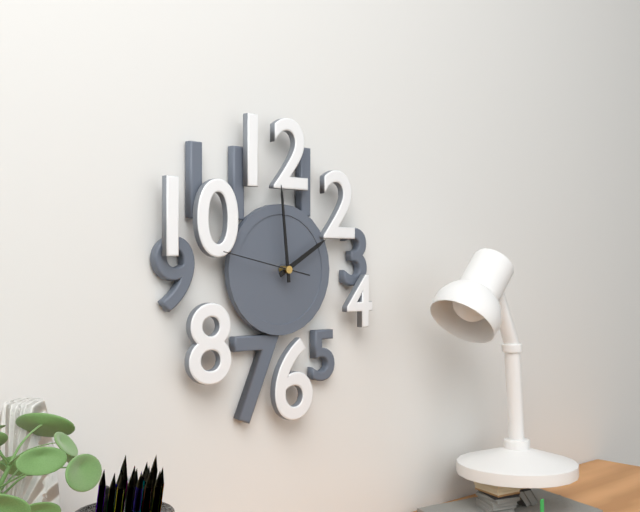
1:59:47
